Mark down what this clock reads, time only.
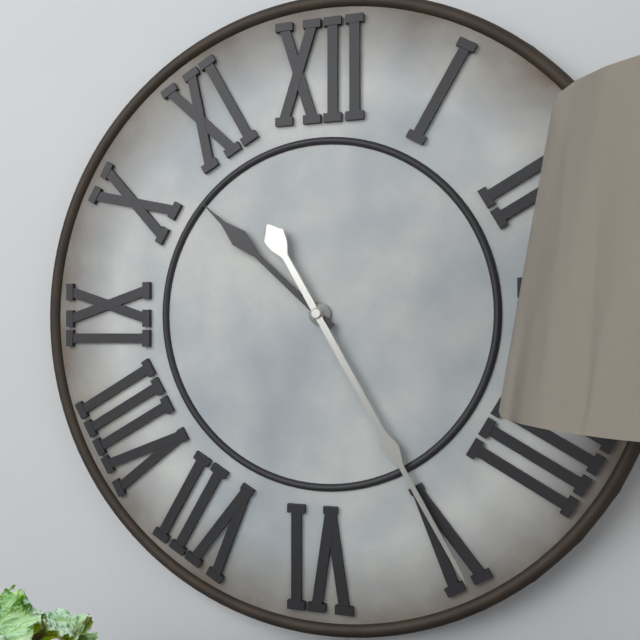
10:25
